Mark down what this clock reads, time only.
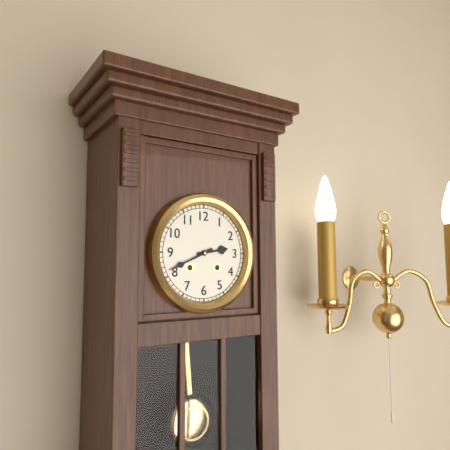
2:41
